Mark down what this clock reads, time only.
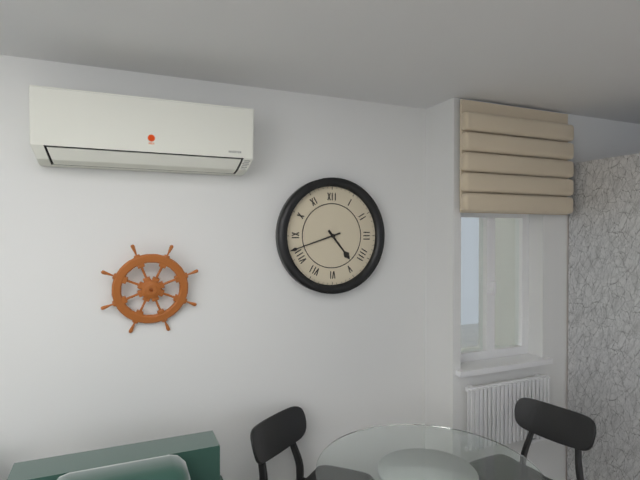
4:42
